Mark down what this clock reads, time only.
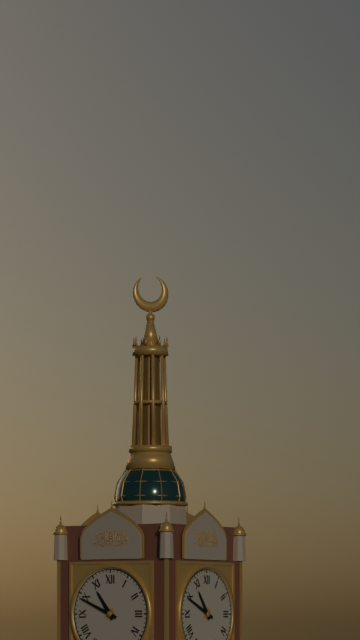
10:49
